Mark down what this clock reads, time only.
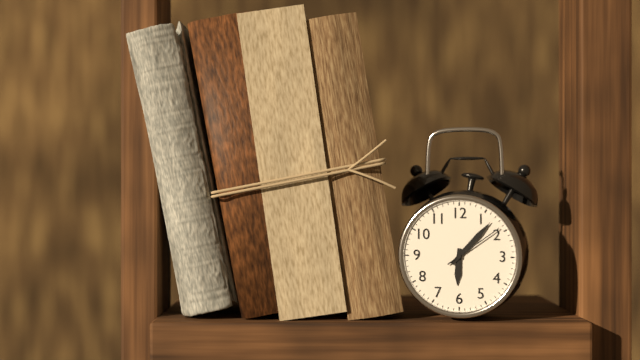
6:07:09
